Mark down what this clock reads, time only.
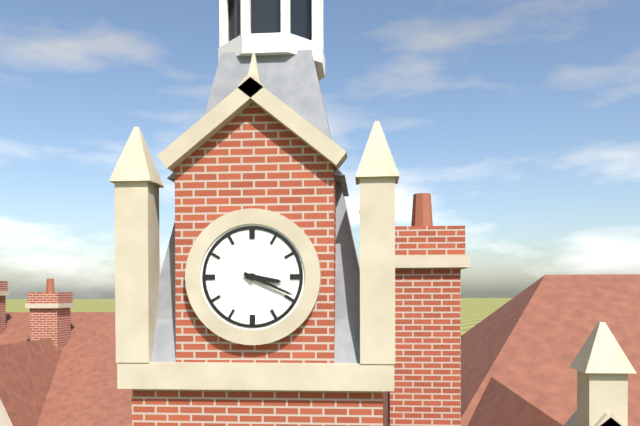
3:19
